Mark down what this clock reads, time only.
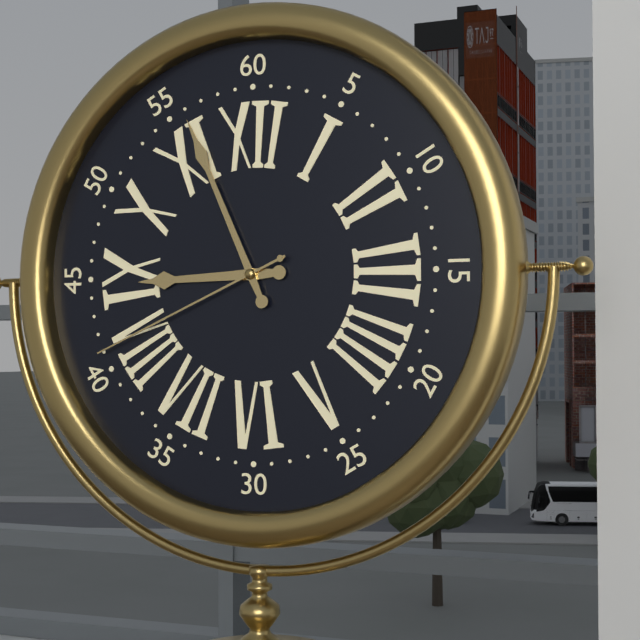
8:56:41
